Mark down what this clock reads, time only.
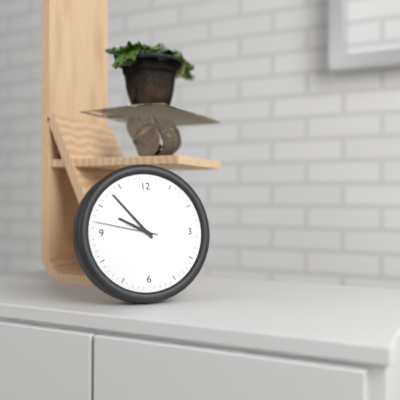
9:53:47
